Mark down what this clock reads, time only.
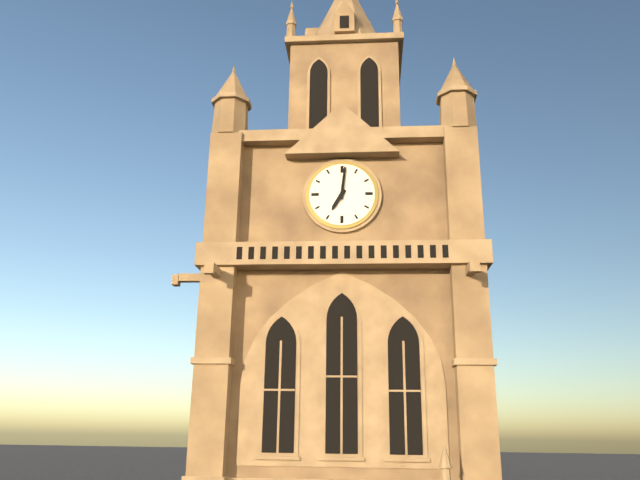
7:01
